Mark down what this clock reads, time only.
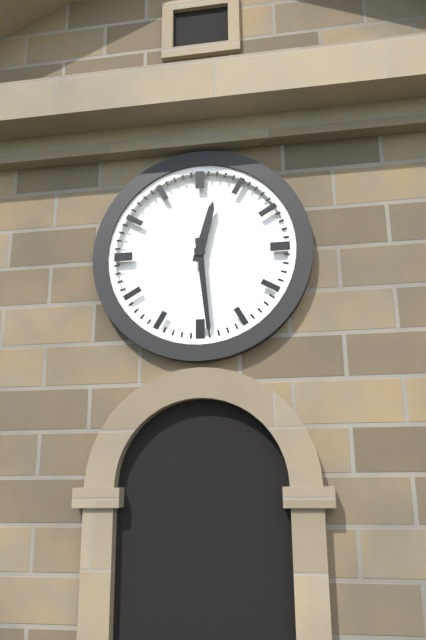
12:29
